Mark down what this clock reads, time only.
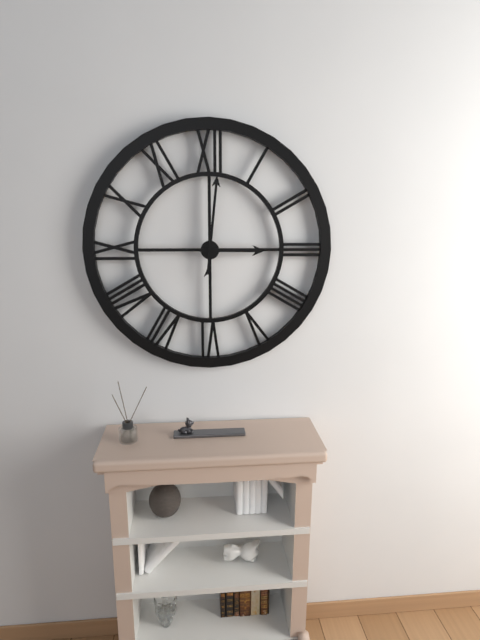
3:01
